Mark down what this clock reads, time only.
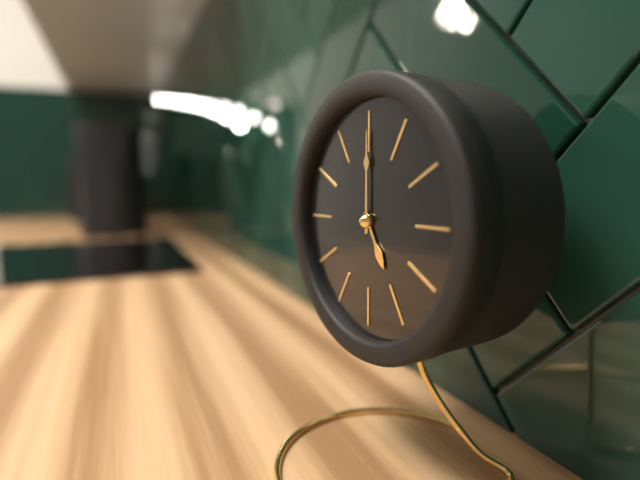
5:00
